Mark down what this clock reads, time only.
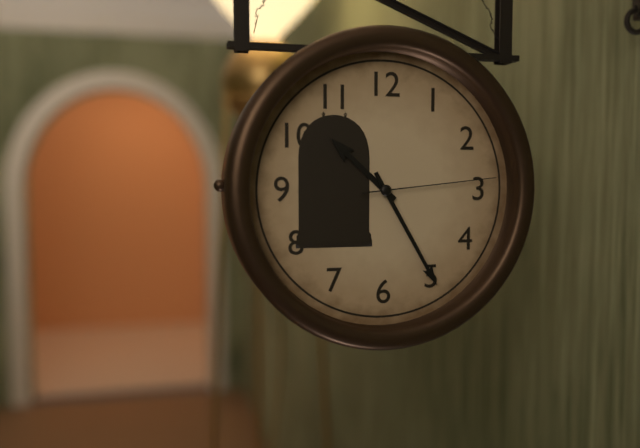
10:25:14
